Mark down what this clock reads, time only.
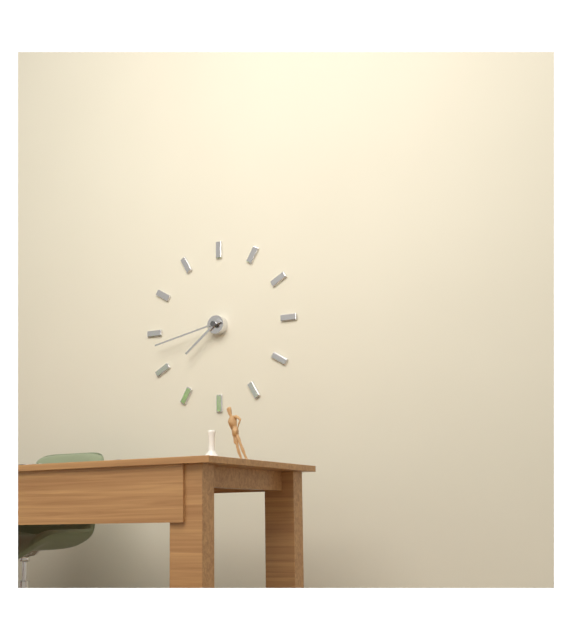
7:43
